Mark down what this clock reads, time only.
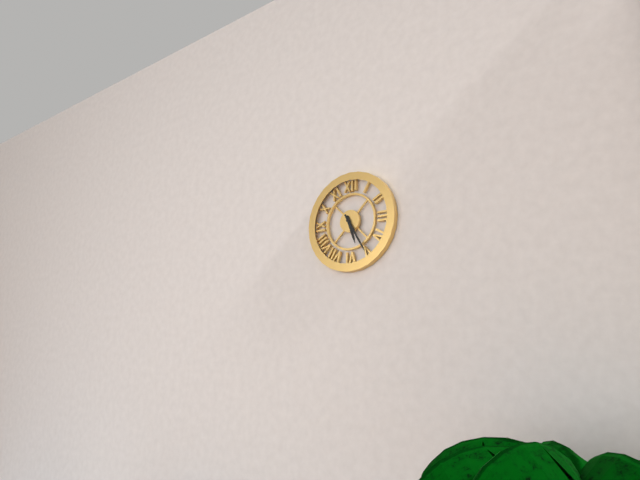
5:25
